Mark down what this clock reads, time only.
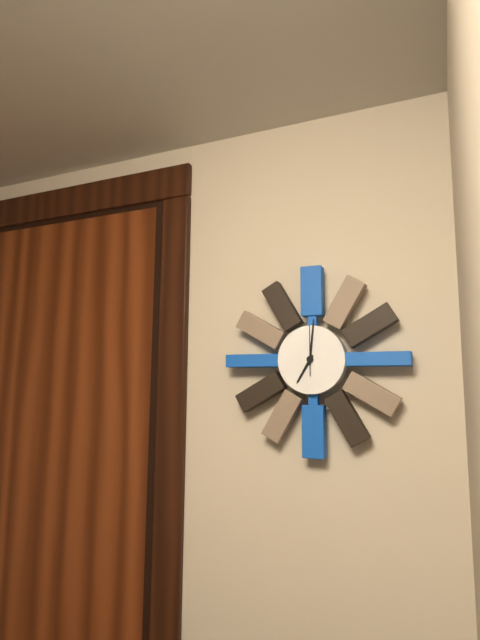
7:01
